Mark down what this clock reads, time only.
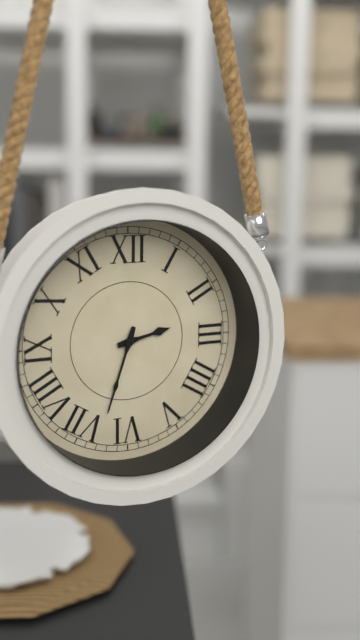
2:33
